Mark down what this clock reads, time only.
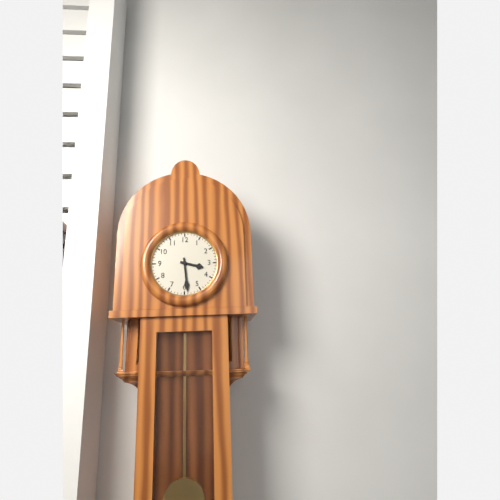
3:29
